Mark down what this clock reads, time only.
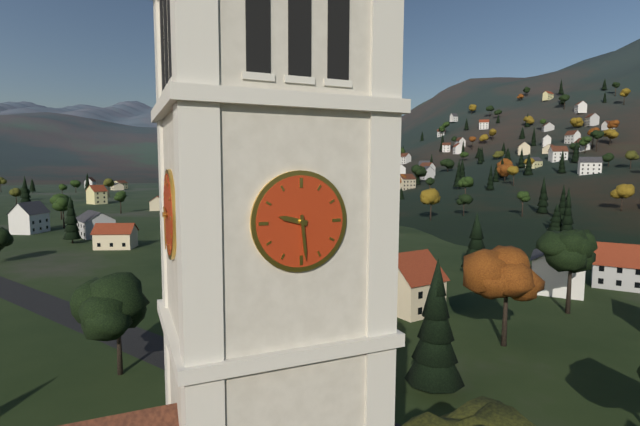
9:29
